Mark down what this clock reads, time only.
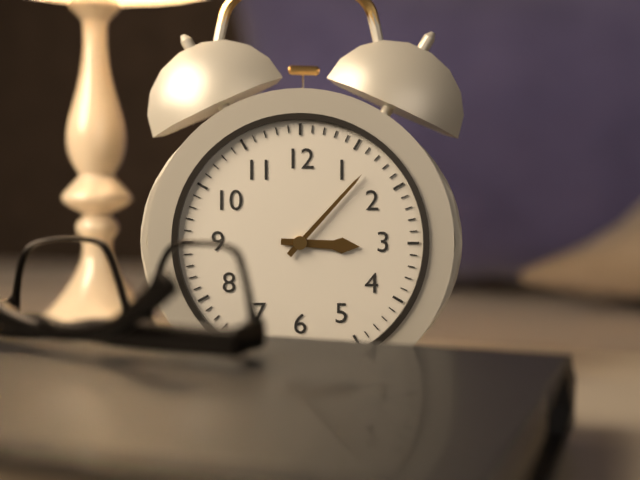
3:07
